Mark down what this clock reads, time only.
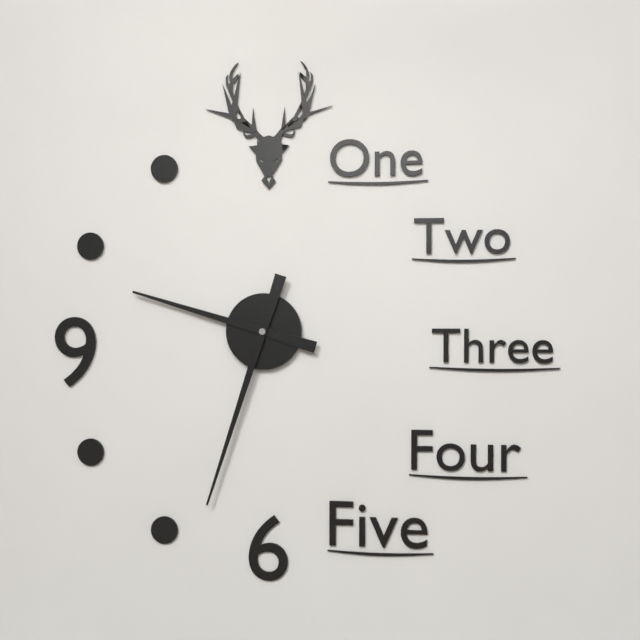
9:33
